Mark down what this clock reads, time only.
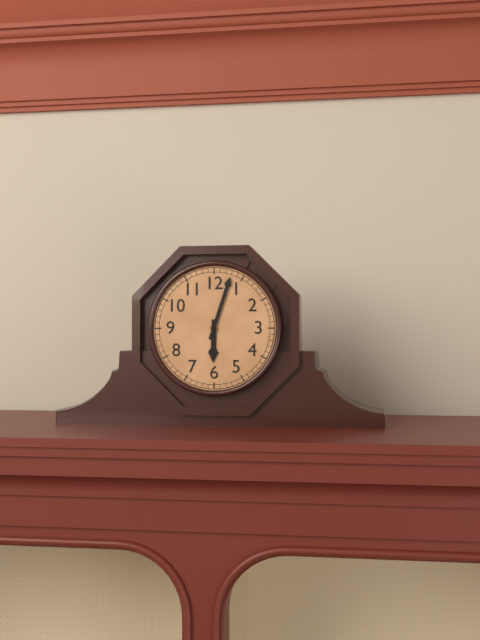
6:03
